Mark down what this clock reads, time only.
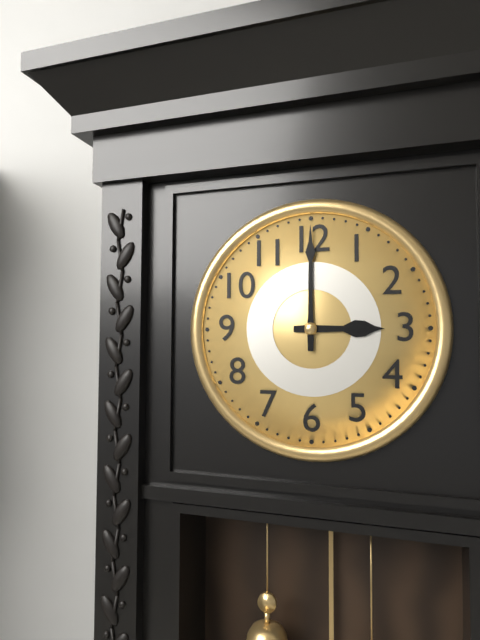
3:00
